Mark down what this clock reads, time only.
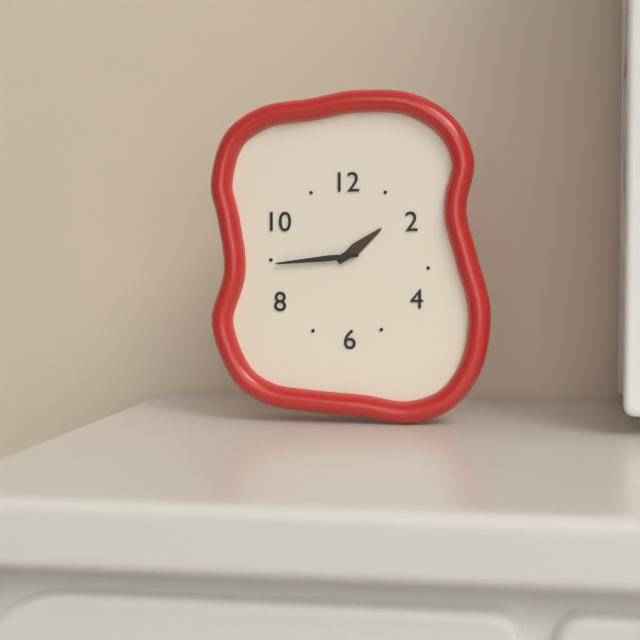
1:44
